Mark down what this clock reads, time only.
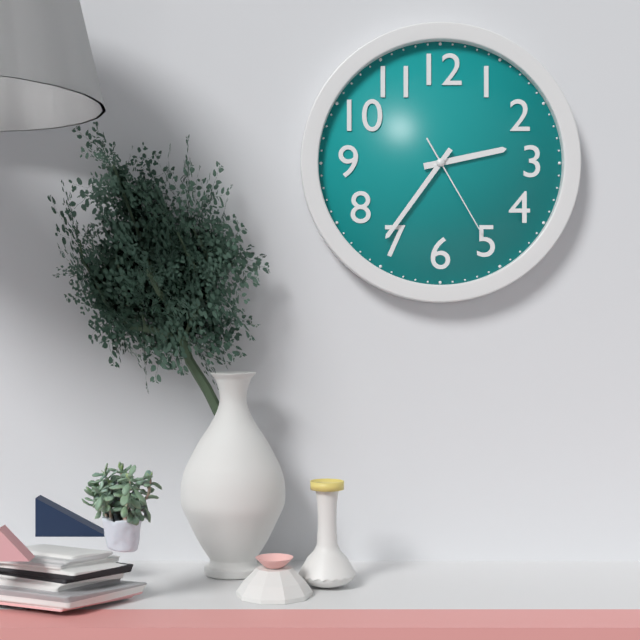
2:36:25
